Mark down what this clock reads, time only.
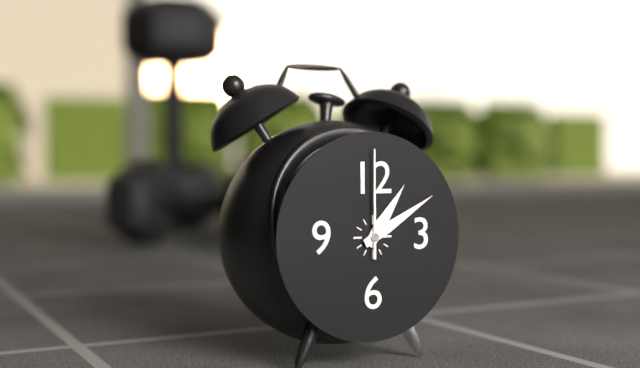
1:10:00
